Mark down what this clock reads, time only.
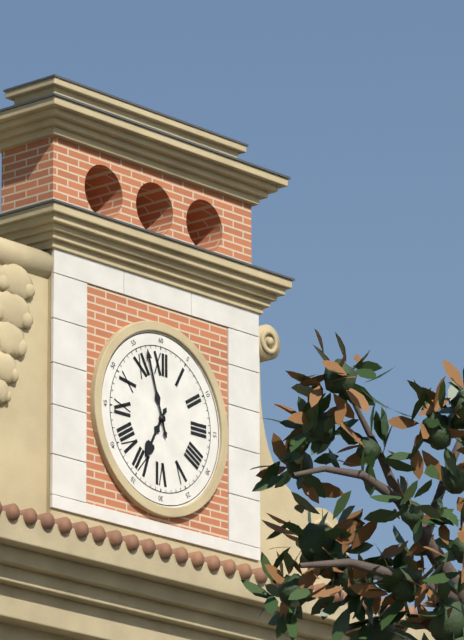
6:57
